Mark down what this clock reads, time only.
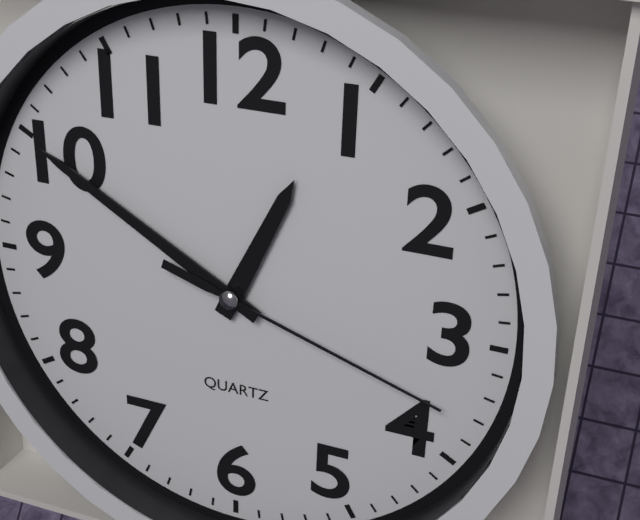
12:50:18
